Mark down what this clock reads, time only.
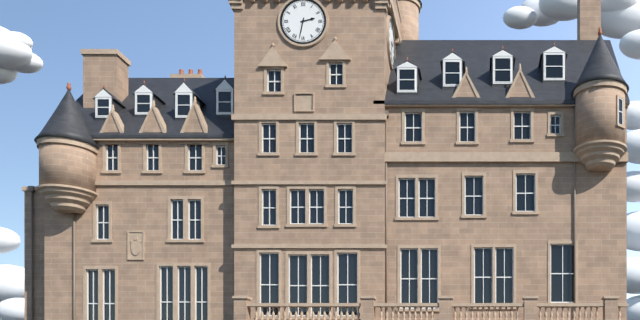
2:32
